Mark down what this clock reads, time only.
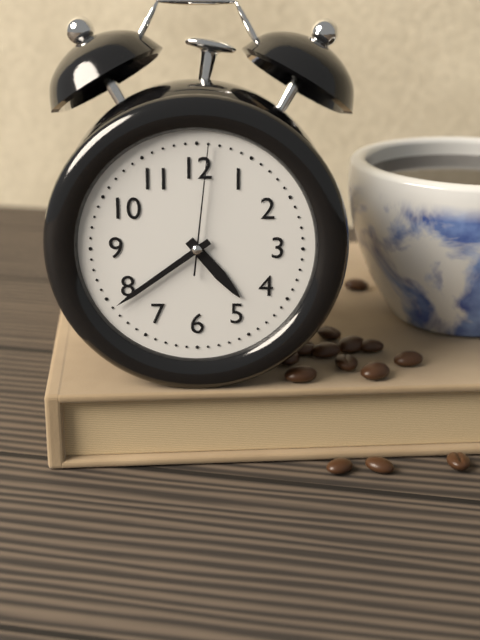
4:39:01
